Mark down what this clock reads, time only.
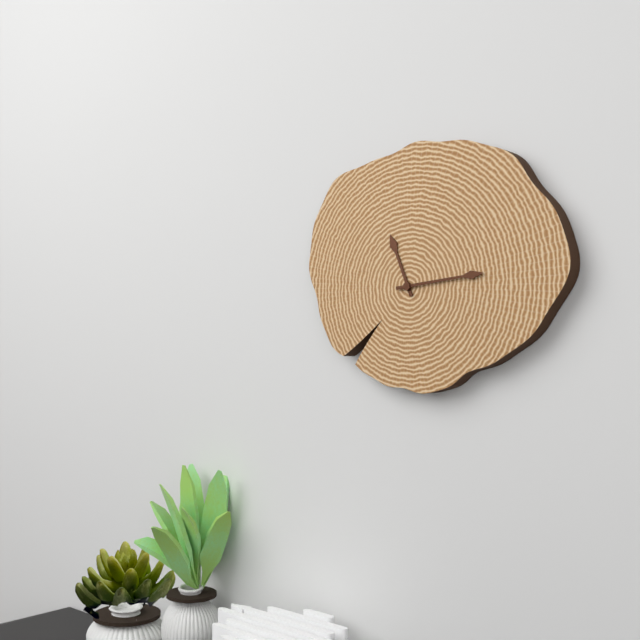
11:14
